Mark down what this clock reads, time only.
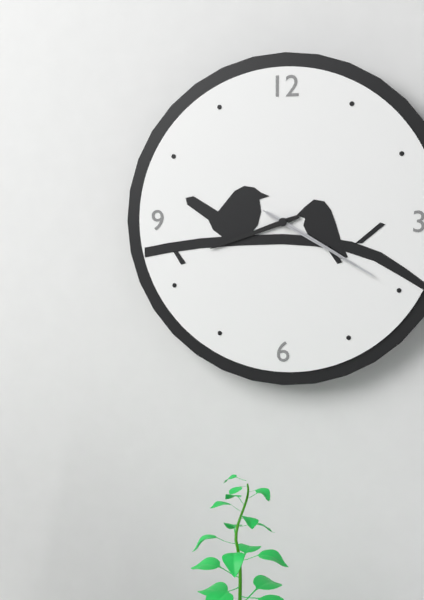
8:20:20
